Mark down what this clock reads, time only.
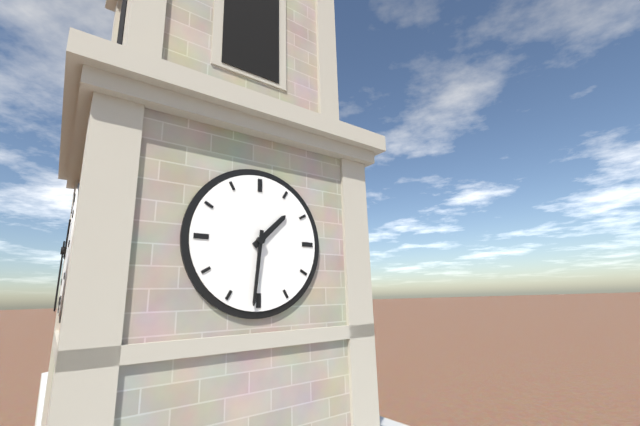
1:31
